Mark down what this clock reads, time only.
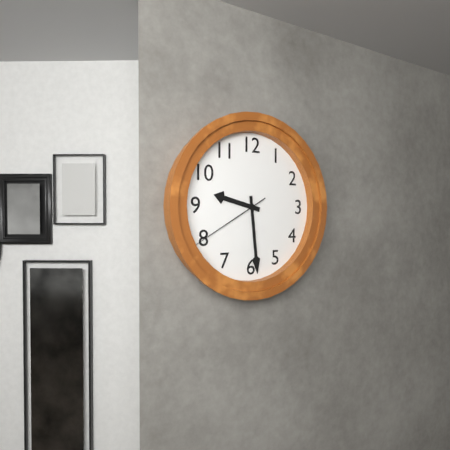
9:29:40
